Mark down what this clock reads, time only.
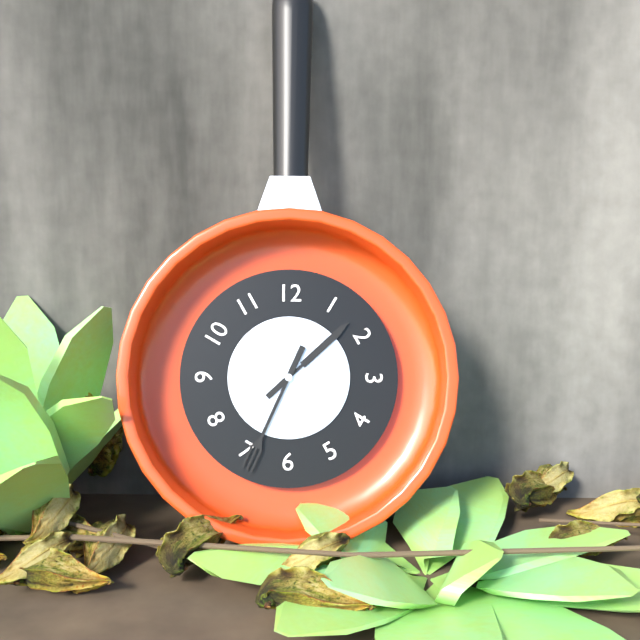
1:34
